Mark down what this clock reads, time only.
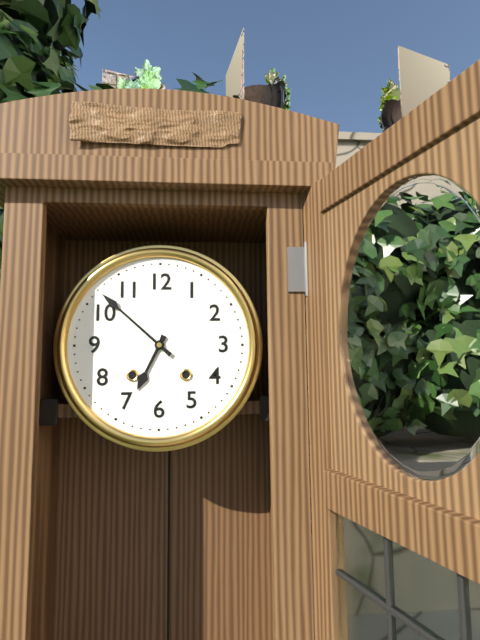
6:52
